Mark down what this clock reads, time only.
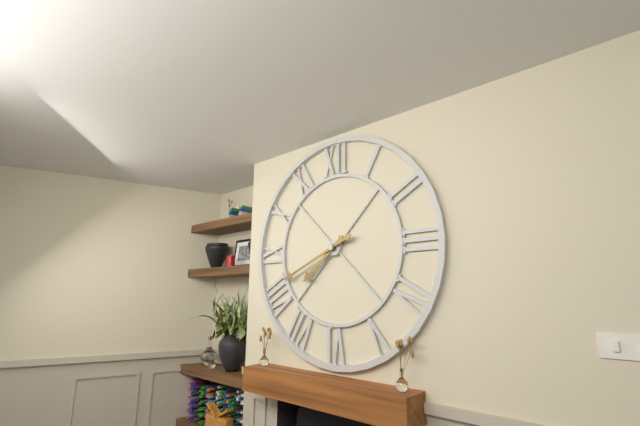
7:41
